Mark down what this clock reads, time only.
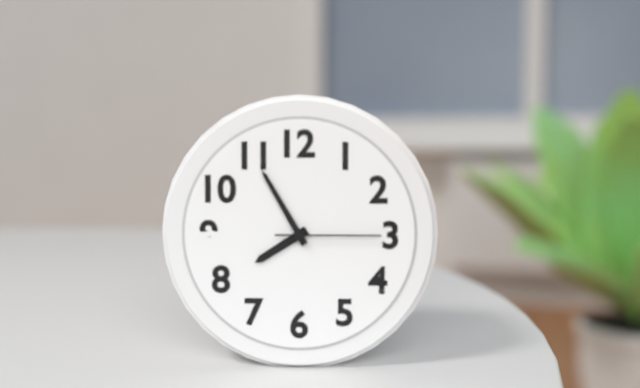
7:55:15
